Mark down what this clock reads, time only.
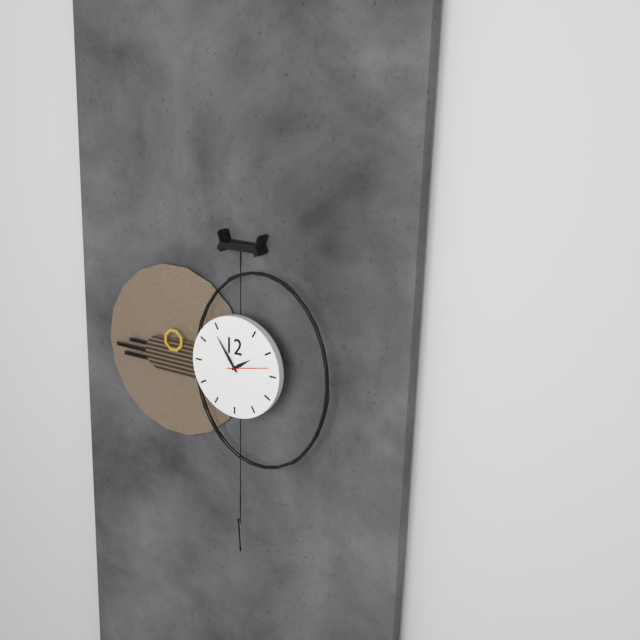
1:54
